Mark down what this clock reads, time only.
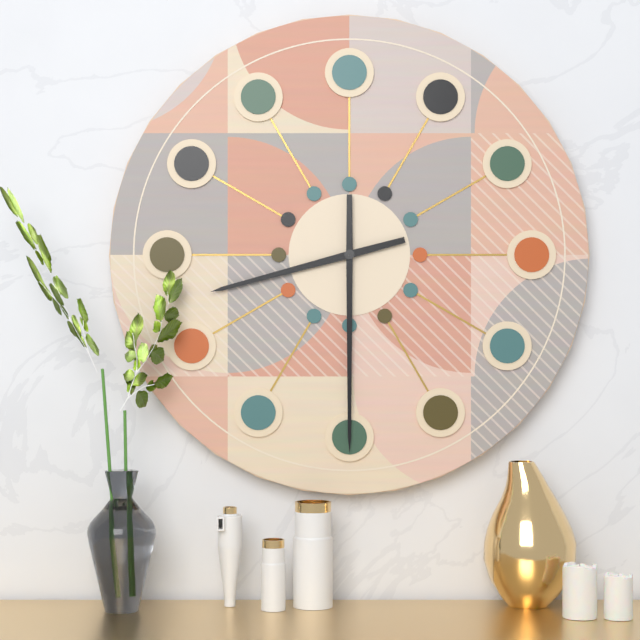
8:30
